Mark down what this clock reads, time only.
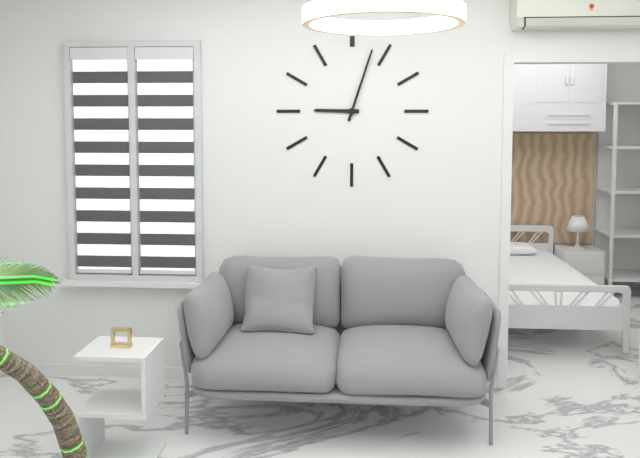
9:03
